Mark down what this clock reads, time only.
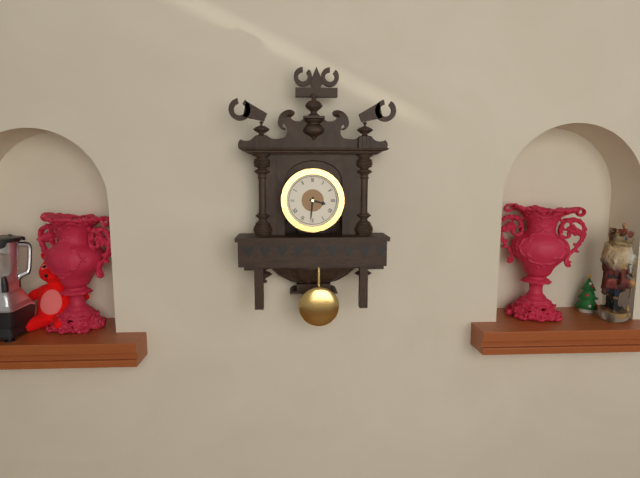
3:31
